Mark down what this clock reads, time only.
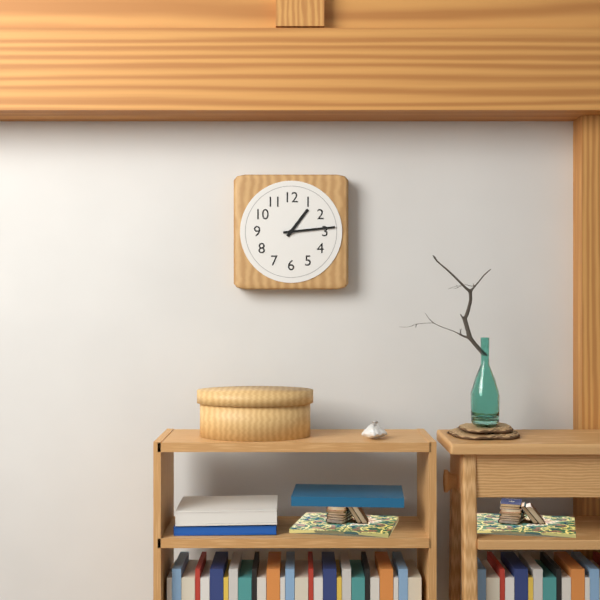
1:14
